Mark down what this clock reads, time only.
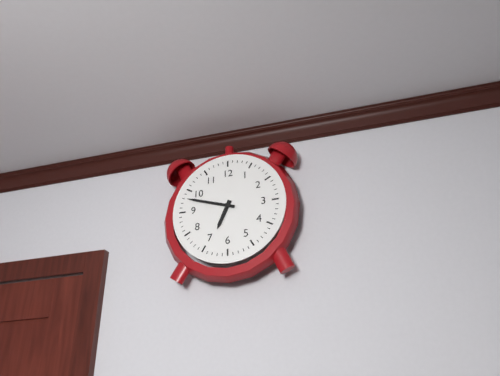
6:48
